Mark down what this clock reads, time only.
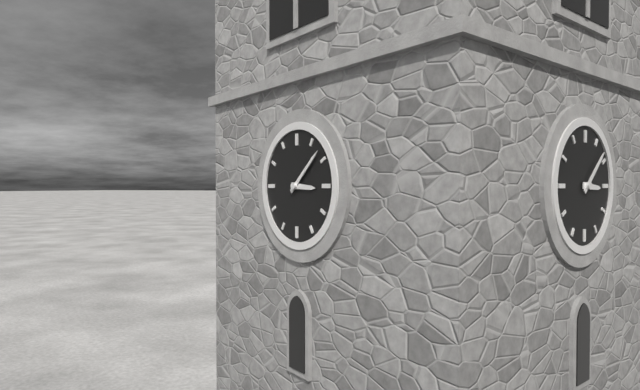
3:08
